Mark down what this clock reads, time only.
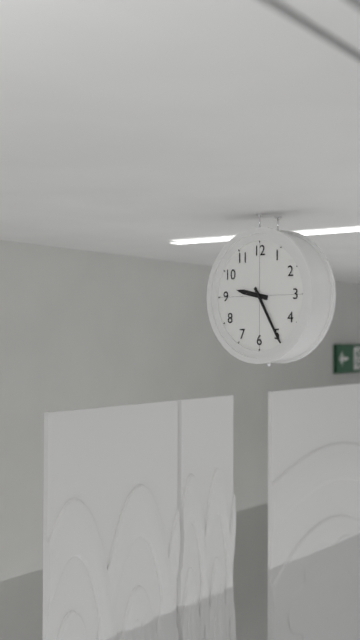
9:25
